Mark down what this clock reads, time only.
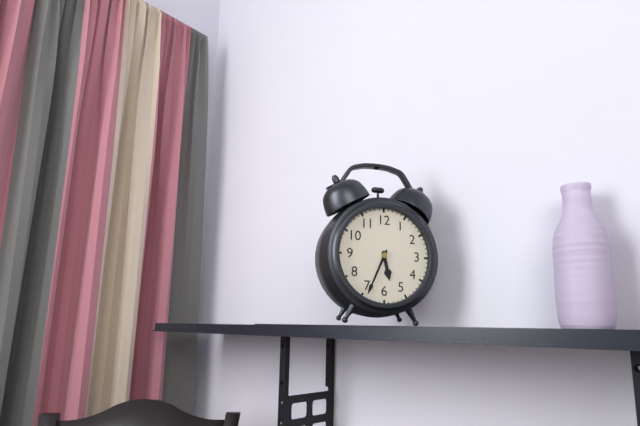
5:34
